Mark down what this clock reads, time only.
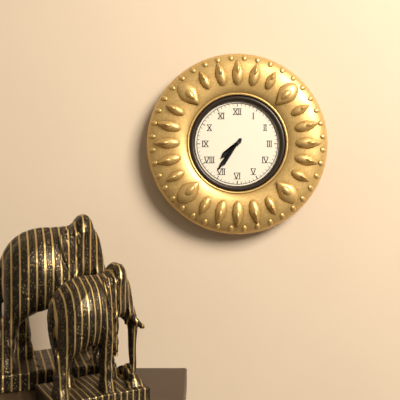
7:36
